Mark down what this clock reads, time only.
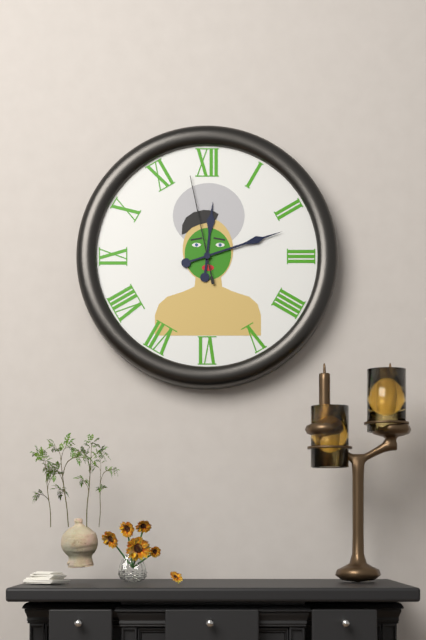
12:12:58
